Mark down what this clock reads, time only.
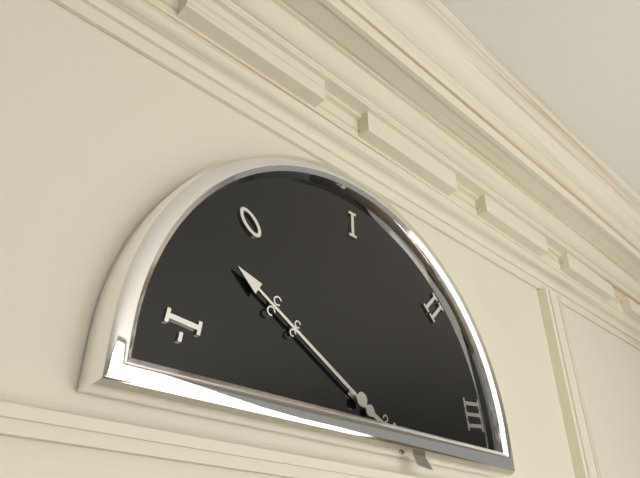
3:50
